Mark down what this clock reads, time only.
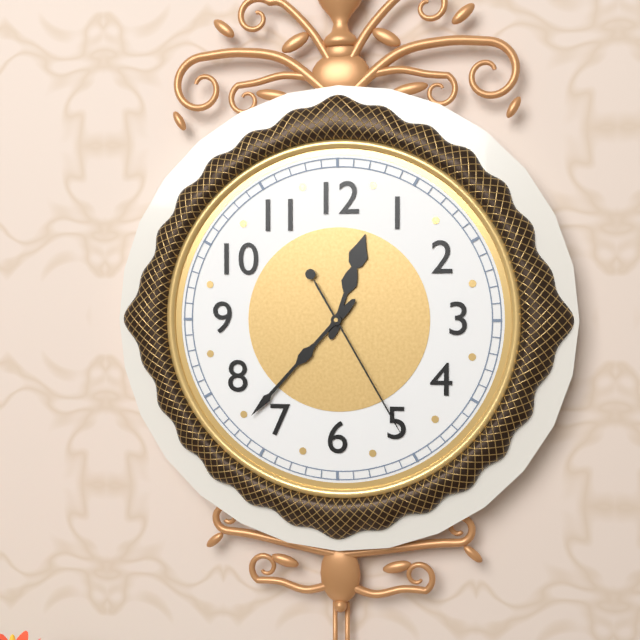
12:37:25
